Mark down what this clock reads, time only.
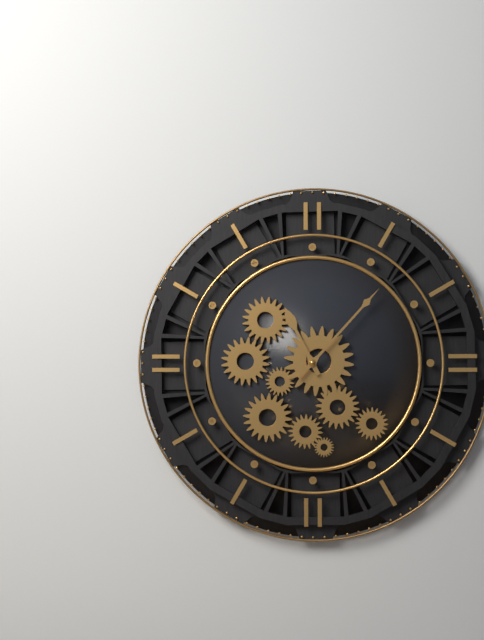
11:07
